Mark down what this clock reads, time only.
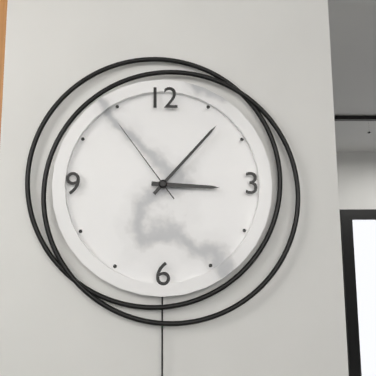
3:07:54
